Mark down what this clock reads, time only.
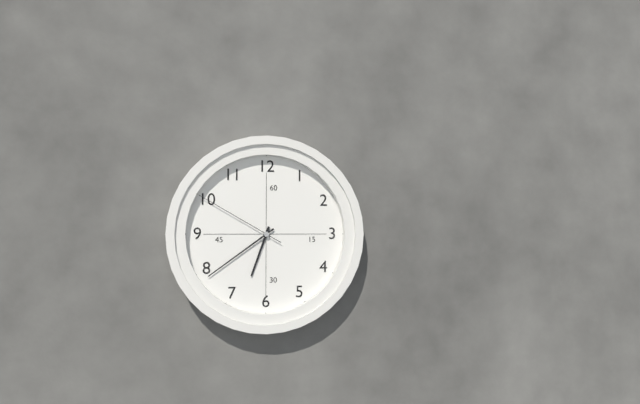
6:39:50
